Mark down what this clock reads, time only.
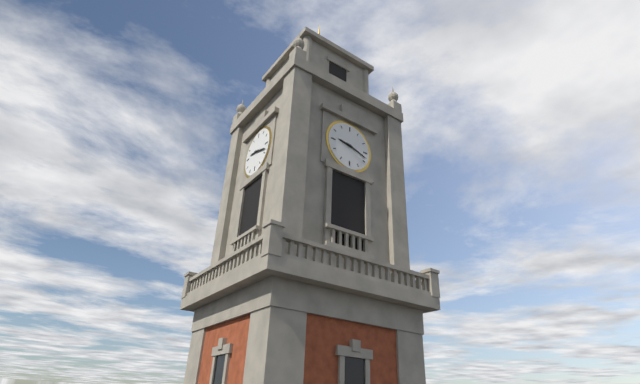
9:18
